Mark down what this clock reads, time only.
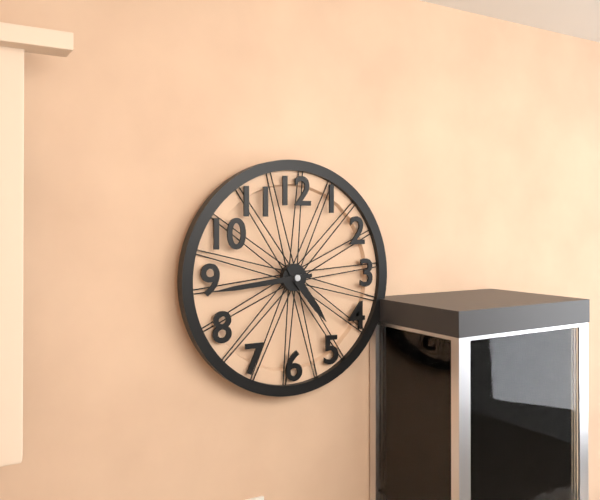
4:44
